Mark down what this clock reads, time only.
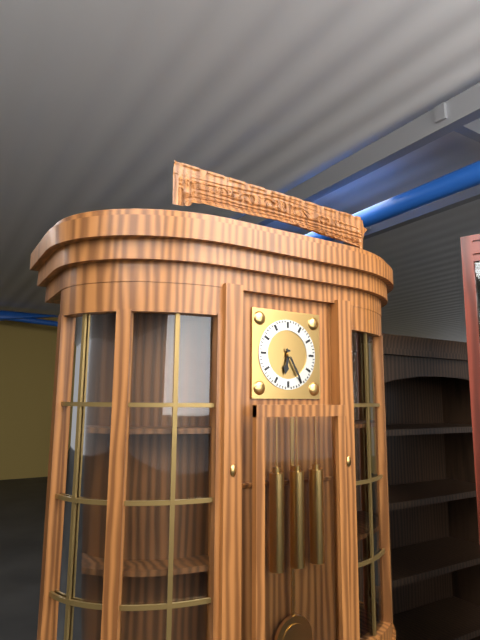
6:25
